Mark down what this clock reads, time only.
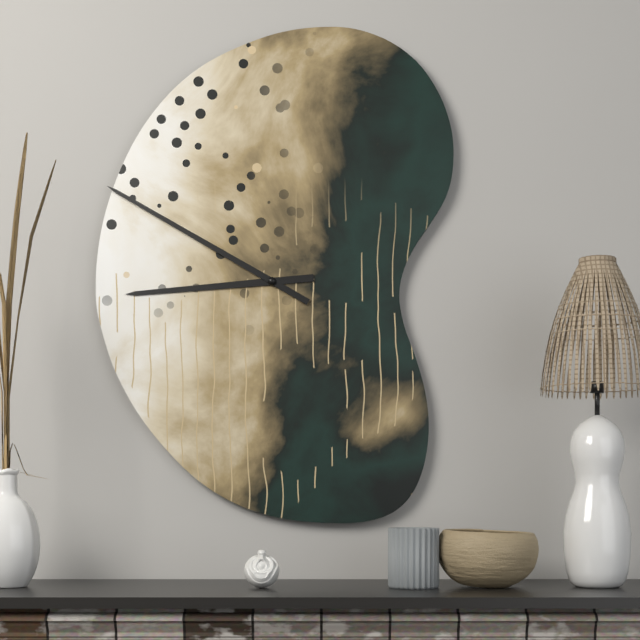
8:50
